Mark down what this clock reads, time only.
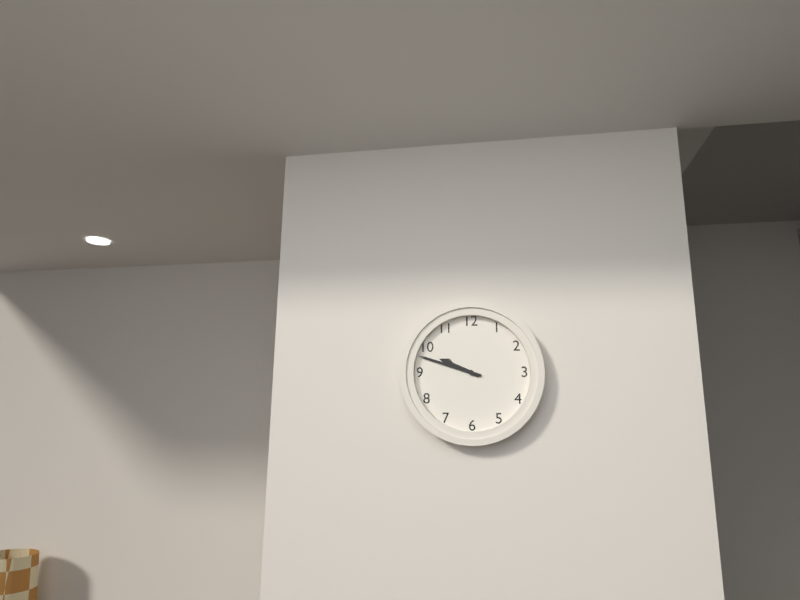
9:48
